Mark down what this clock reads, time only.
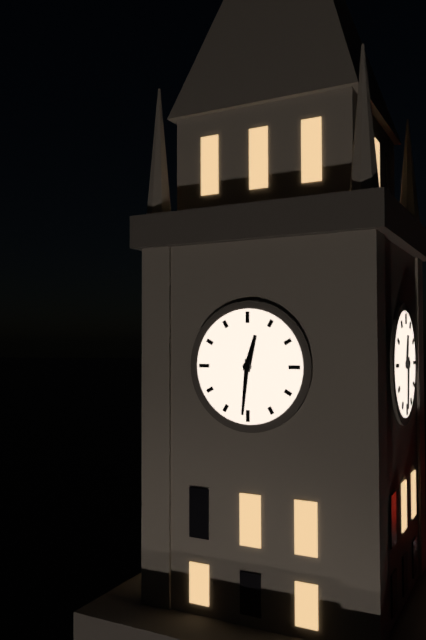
12:31
